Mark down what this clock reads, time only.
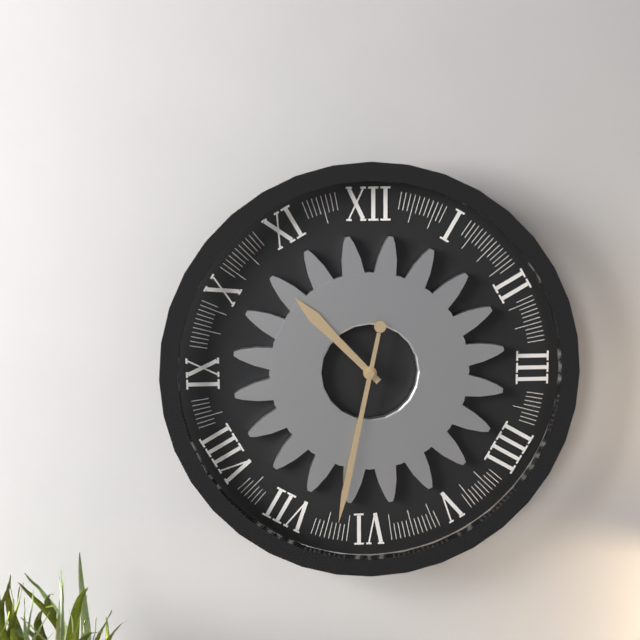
10:32
